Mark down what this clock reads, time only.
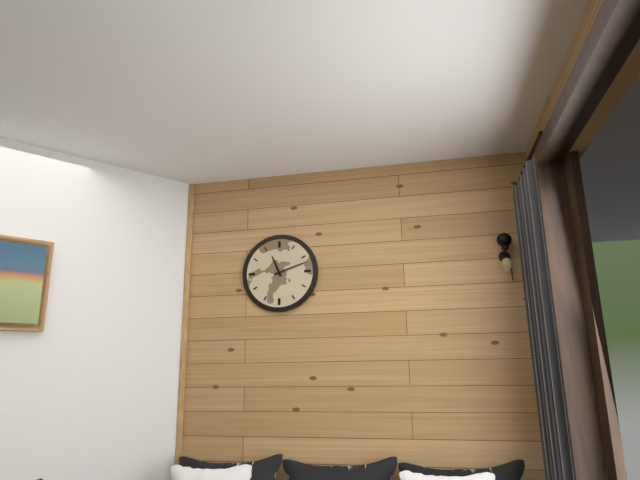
11:12
